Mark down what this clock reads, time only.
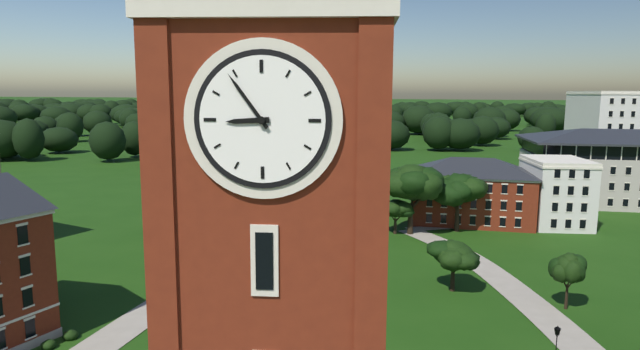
8:54
